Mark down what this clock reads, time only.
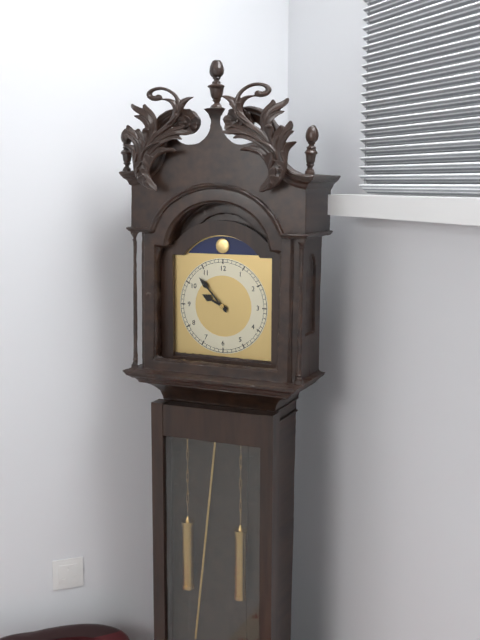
9:53
